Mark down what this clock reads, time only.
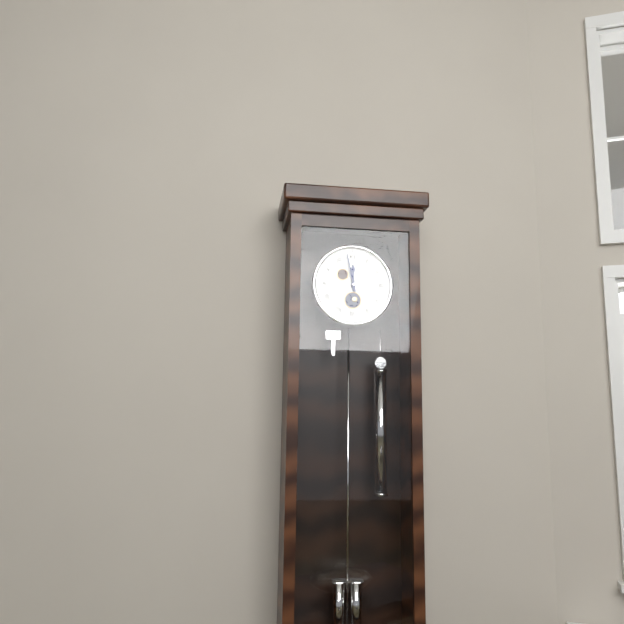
11:58
